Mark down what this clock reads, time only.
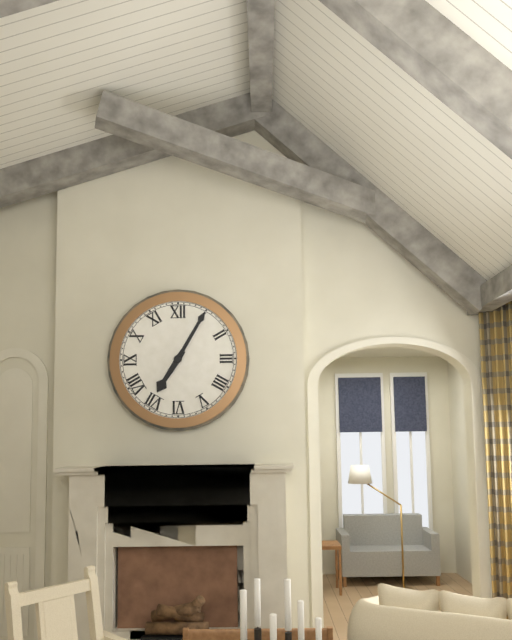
7:05
